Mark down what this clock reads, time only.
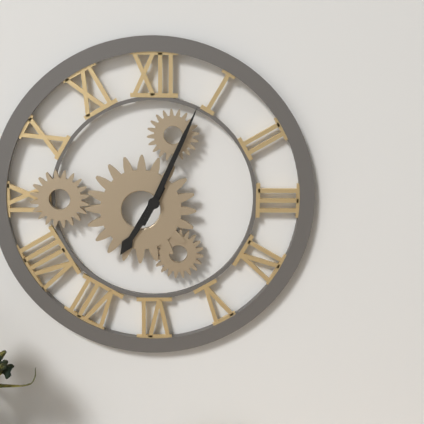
7:04
